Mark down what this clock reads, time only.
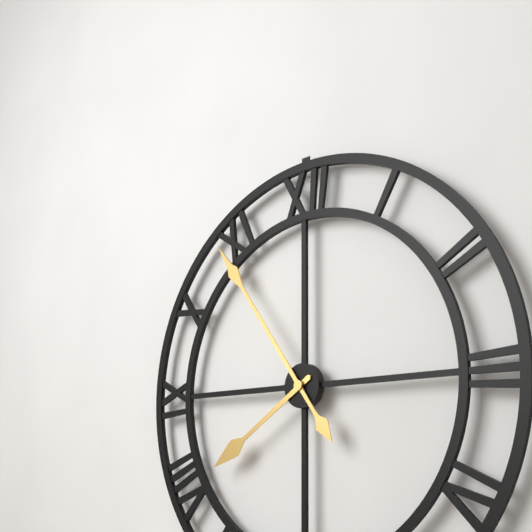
7:54
